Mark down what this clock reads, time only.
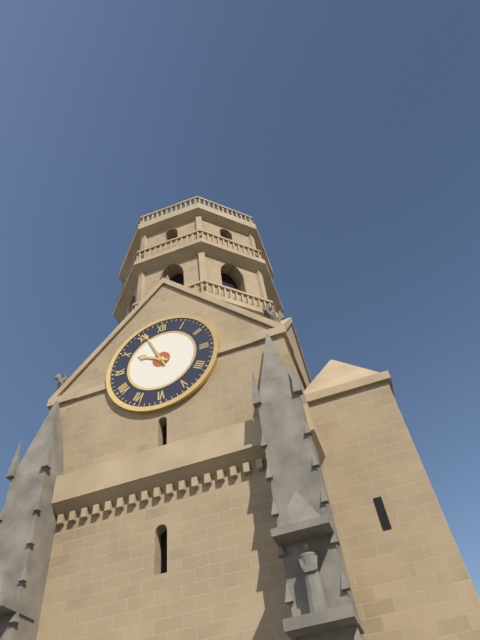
9:56
